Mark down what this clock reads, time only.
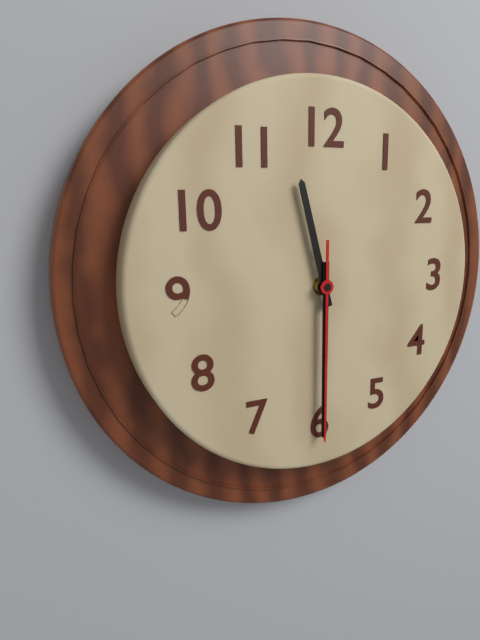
11:30:30
